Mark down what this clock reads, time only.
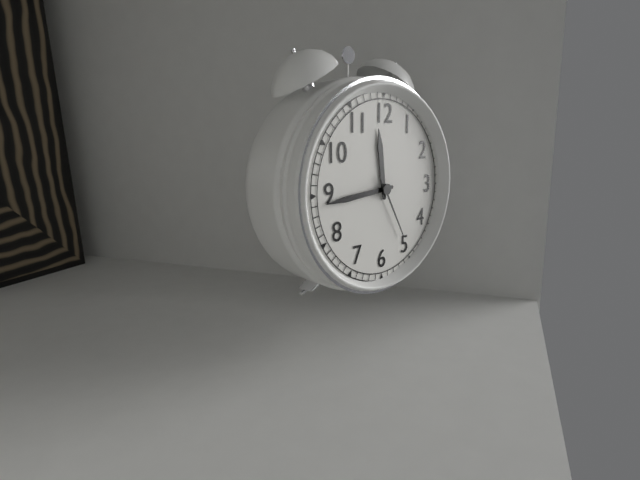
11:44:25
